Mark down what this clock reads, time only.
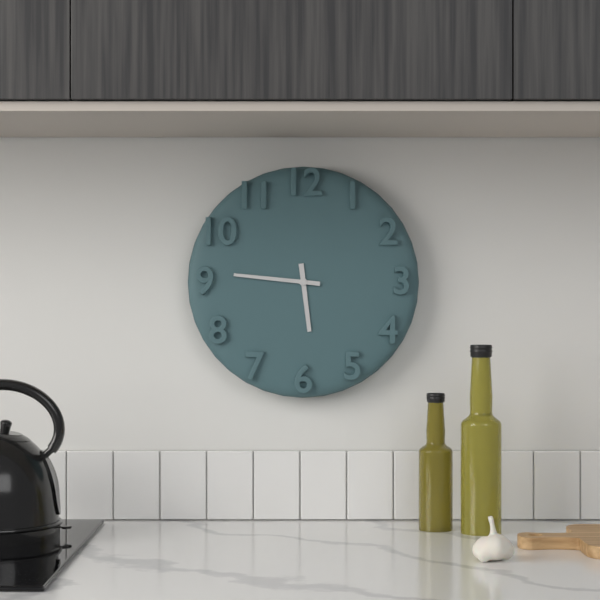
5:46
